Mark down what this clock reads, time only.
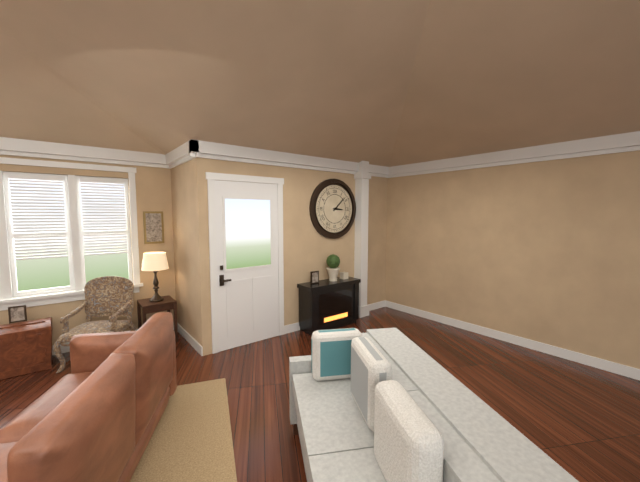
3:08
